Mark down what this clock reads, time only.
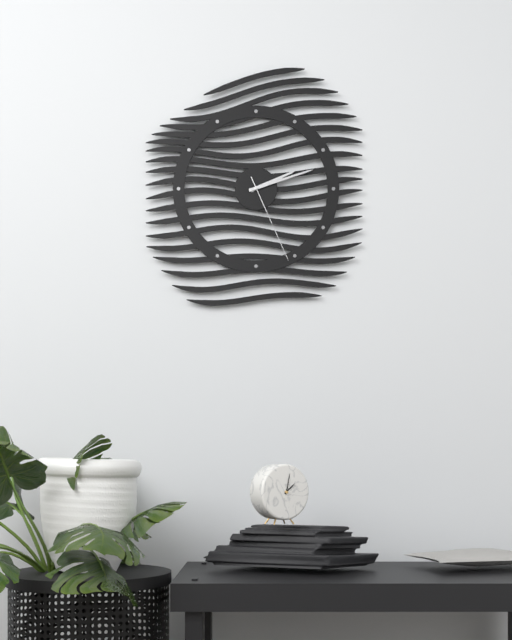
2:12:26
